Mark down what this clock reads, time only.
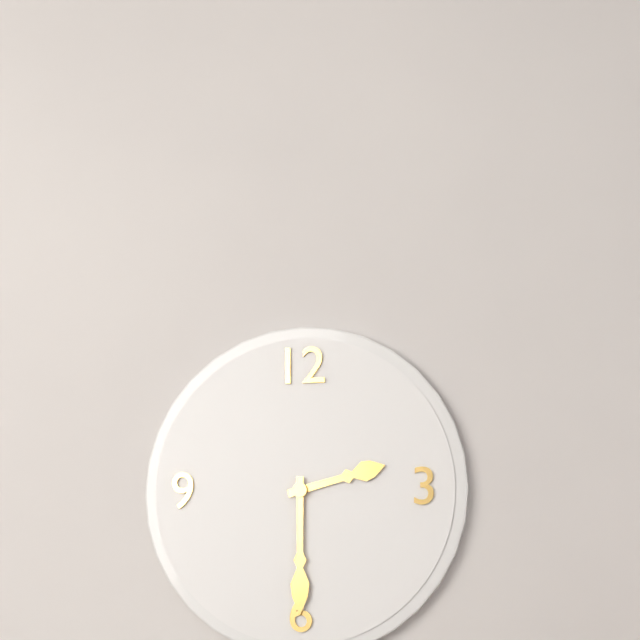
2:30
